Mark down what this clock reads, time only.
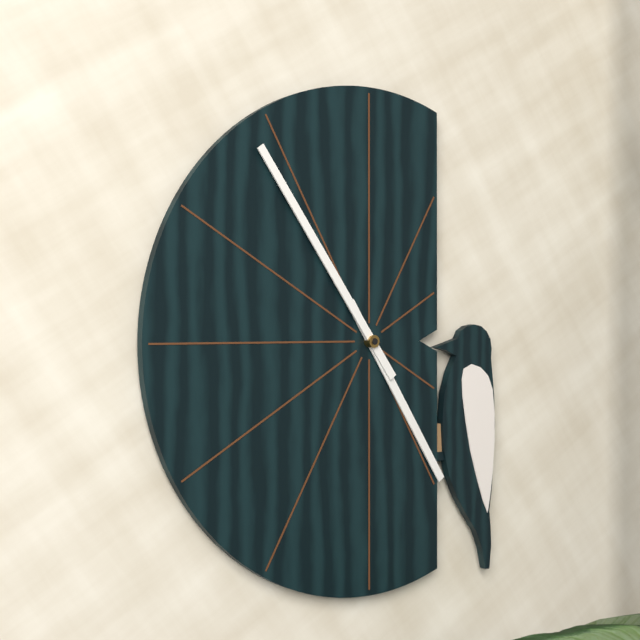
4:54
